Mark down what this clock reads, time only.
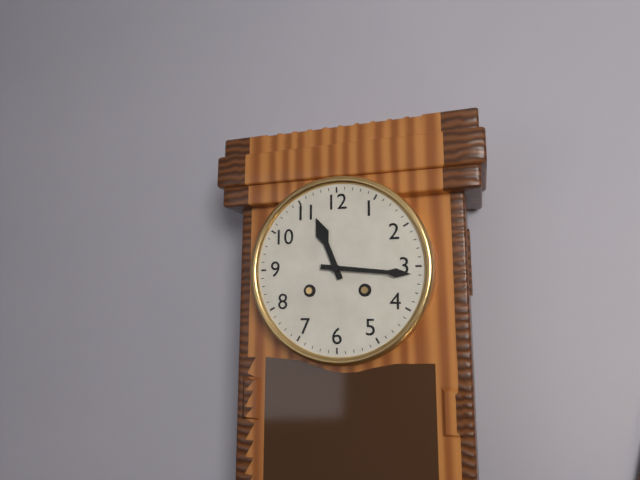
11:16
